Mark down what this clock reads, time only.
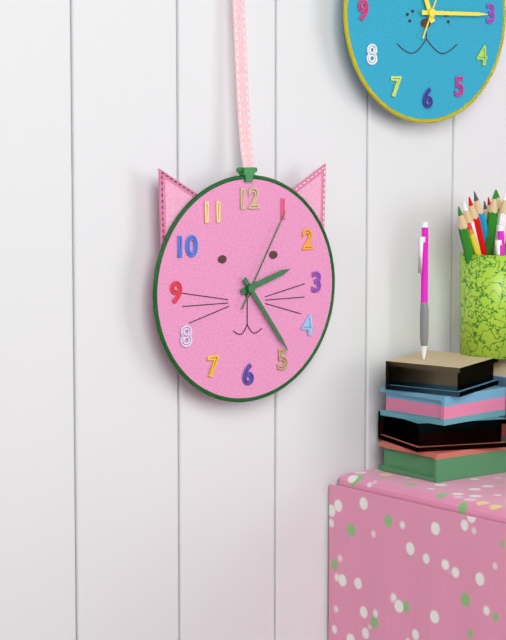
2:24:05
